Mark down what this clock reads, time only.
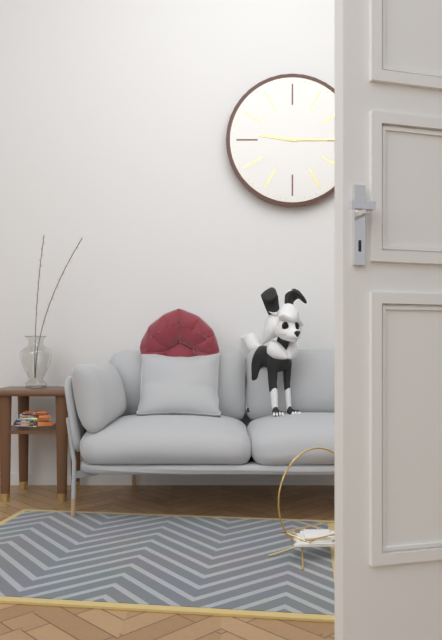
9:15
